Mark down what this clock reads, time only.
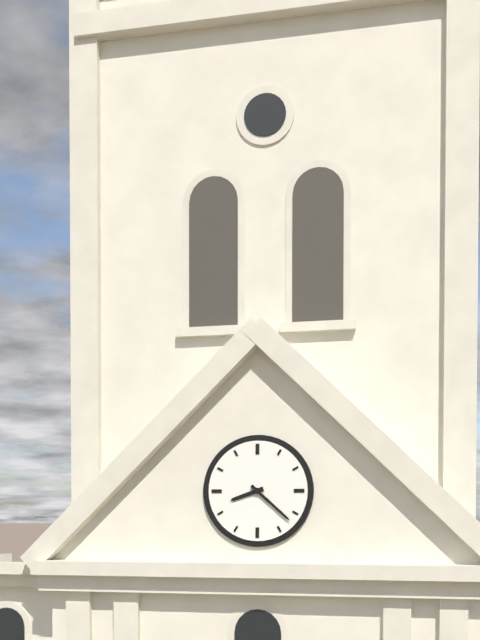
8:22
